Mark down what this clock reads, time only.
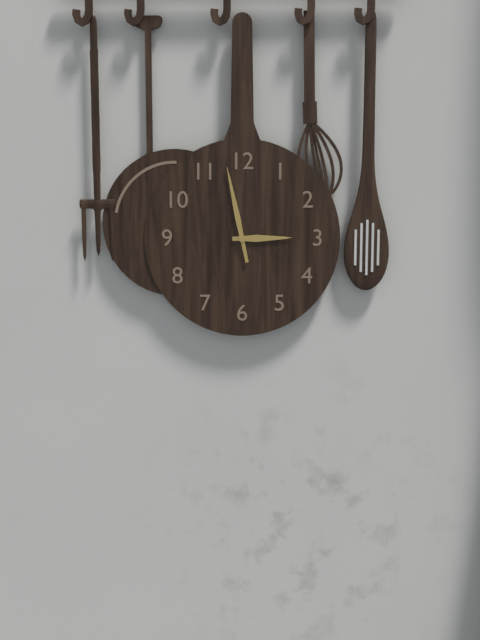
2:58
